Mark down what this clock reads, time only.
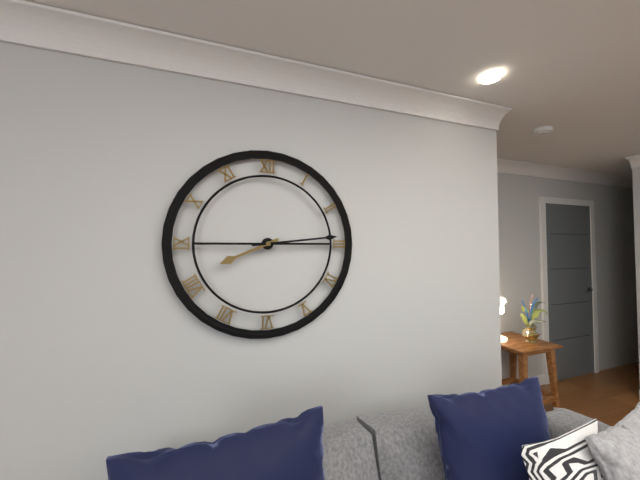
8:14
